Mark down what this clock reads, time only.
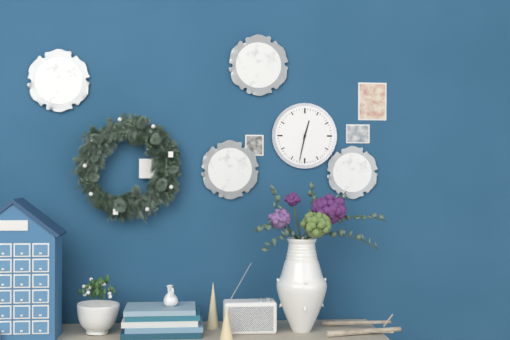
12:32
